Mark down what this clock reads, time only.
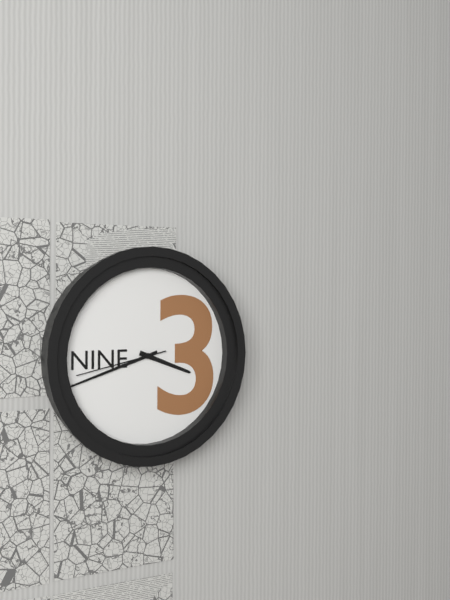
3:42:43
